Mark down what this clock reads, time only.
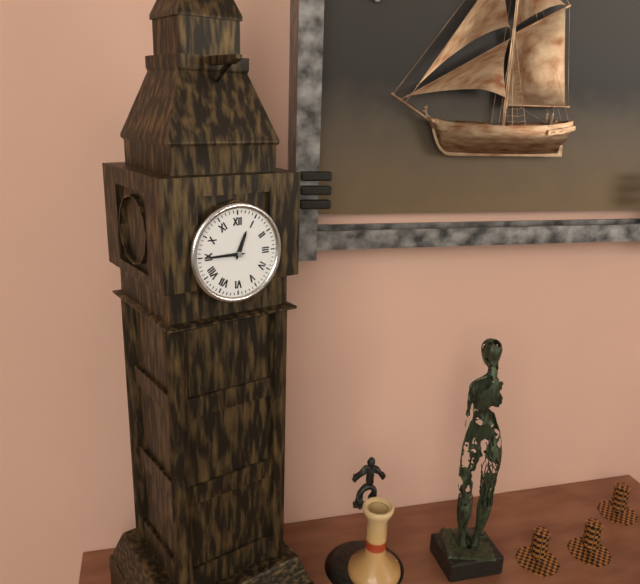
12:45
